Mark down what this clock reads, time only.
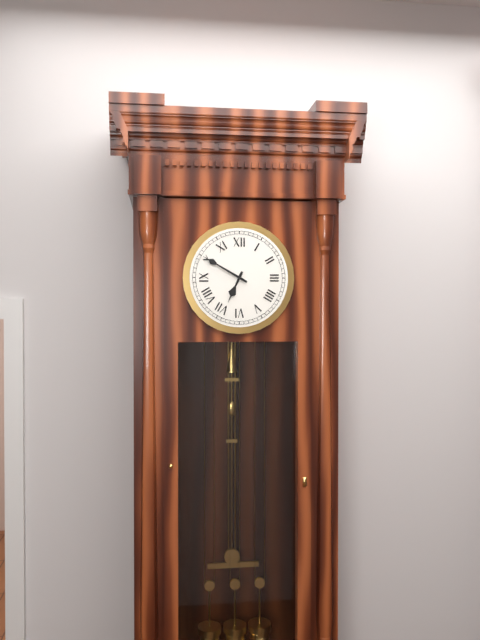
6:50
